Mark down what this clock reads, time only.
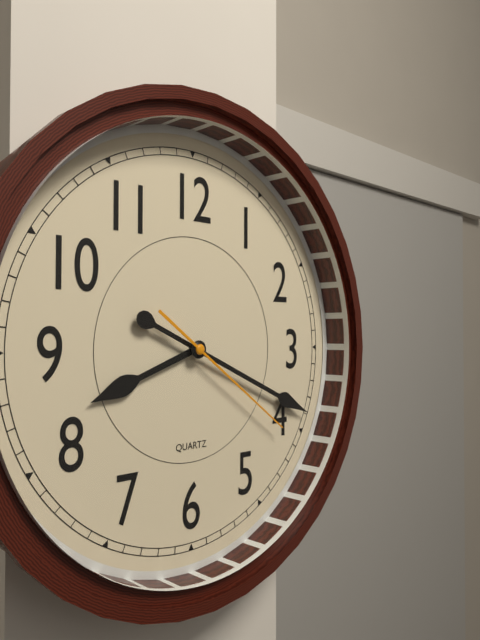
8:19:21
